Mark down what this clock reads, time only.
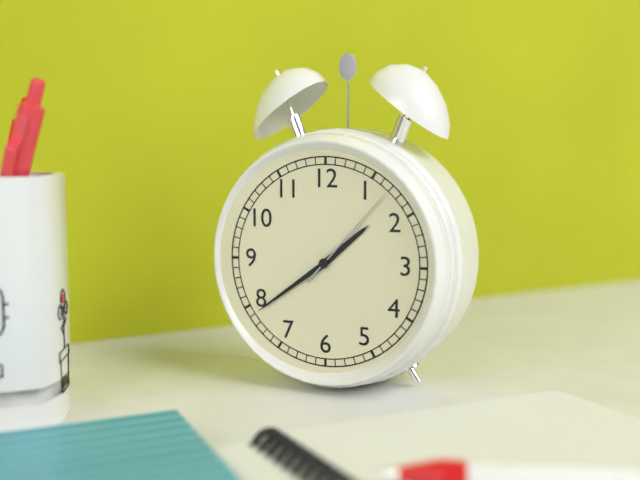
1:39:07
